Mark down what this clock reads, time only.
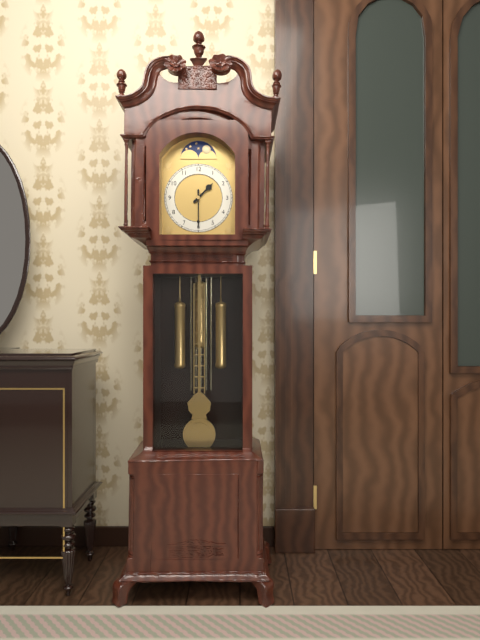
1:30
